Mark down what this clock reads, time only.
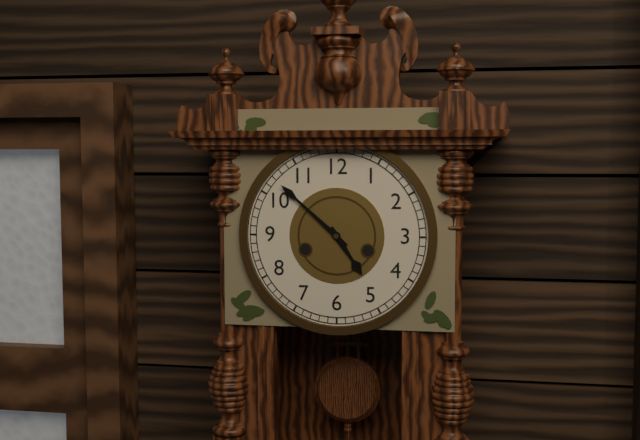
4:52
